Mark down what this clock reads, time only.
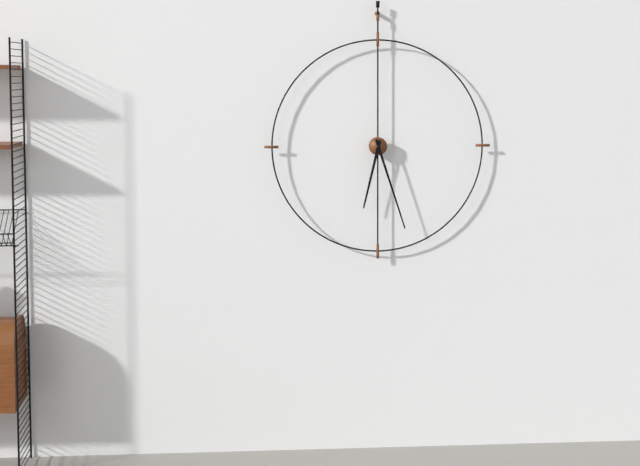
6:27
